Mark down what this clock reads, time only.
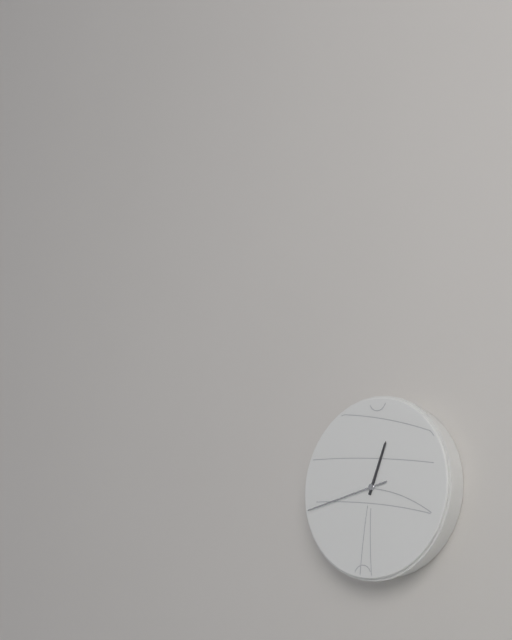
12:43
